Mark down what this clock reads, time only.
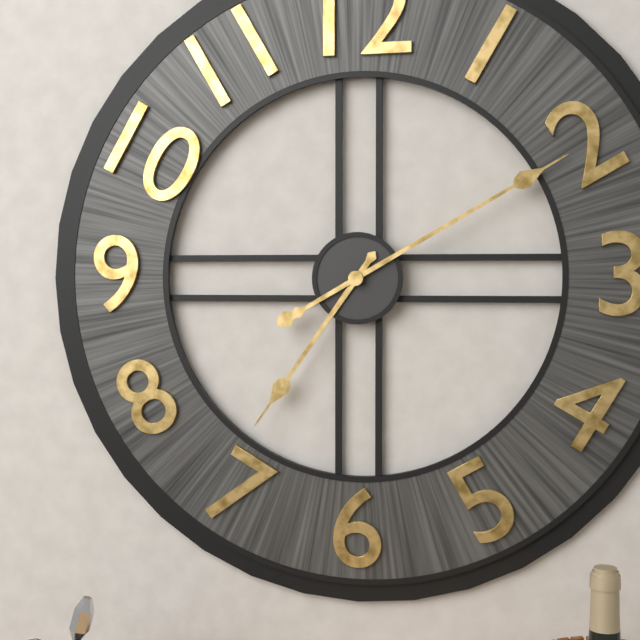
7:10
